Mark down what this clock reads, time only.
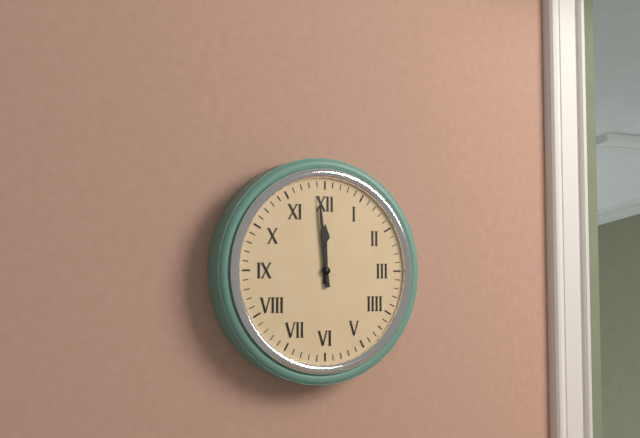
11:59
